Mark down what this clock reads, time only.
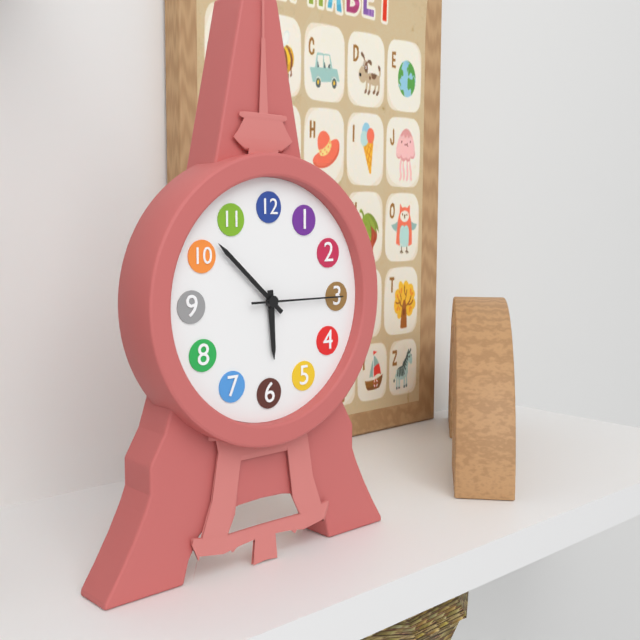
5:52:15
